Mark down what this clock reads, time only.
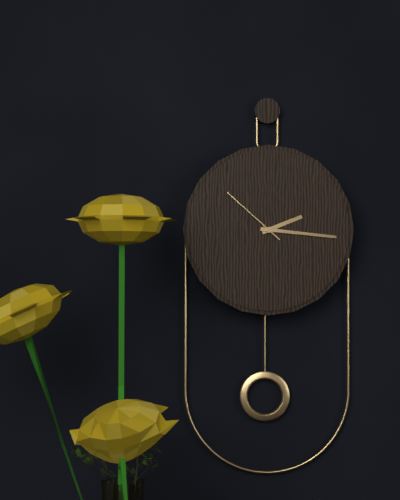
2:16:52
